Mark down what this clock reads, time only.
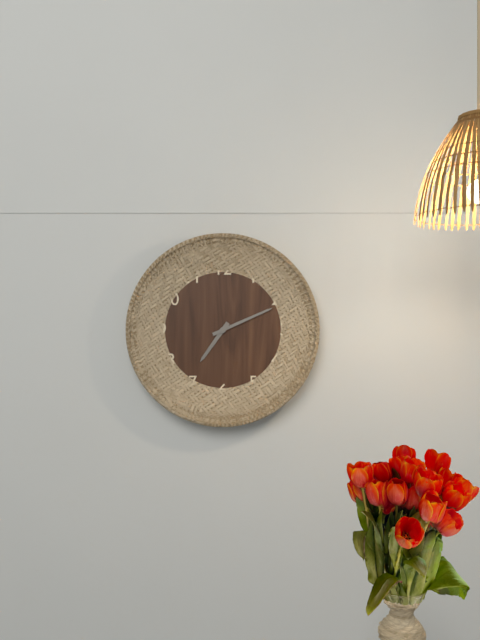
7:11
